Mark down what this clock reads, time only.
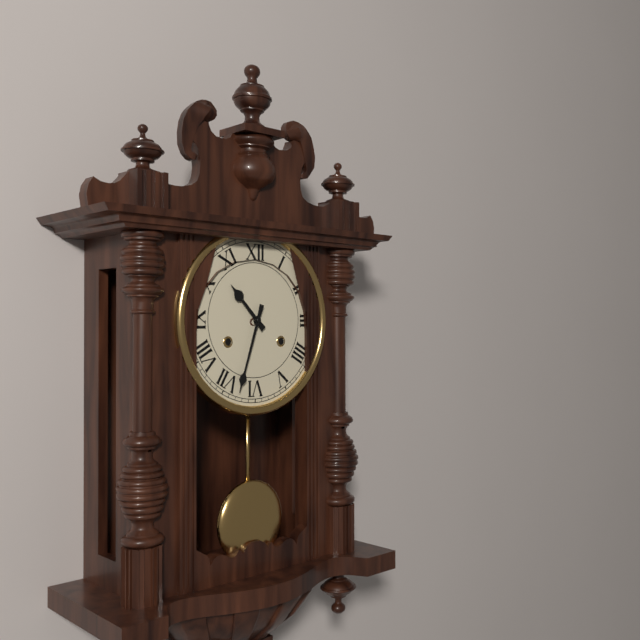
10:33
